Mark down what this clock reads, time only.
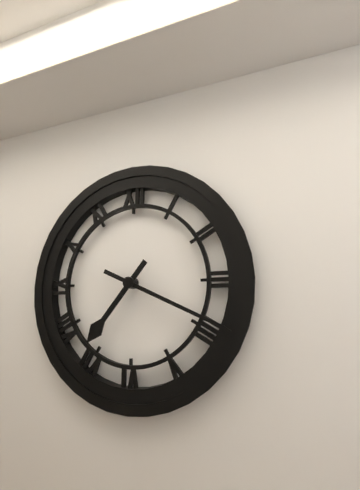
7:19
